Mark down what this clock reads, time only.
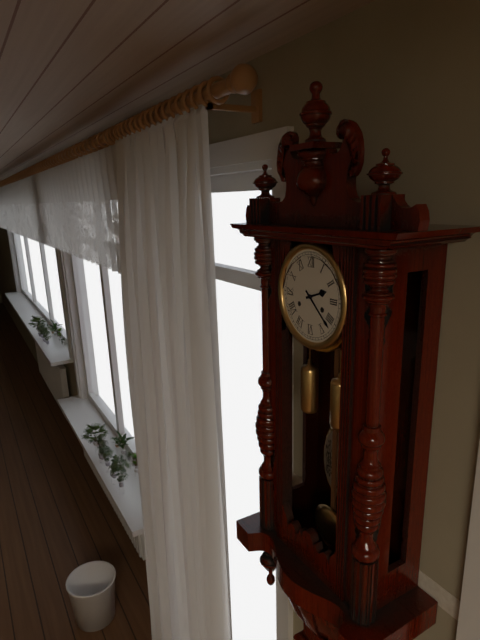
2:22
